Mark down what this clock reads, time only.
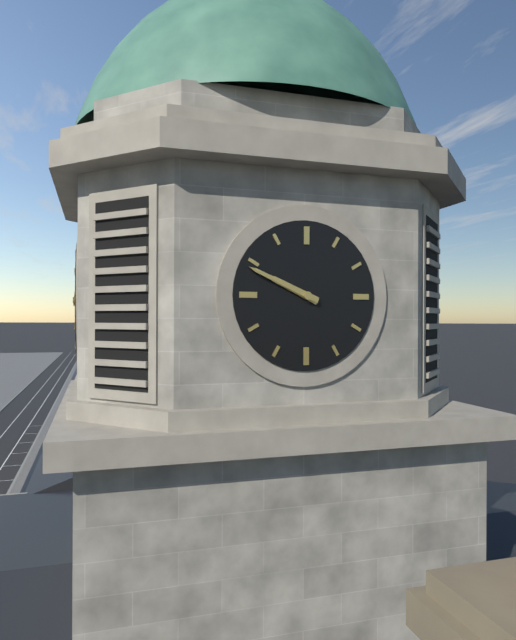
9:49
